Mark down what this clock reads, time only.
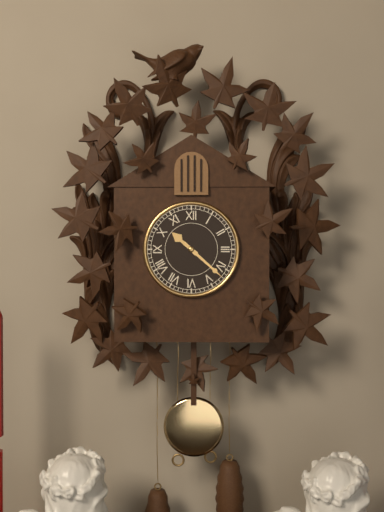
10:22
